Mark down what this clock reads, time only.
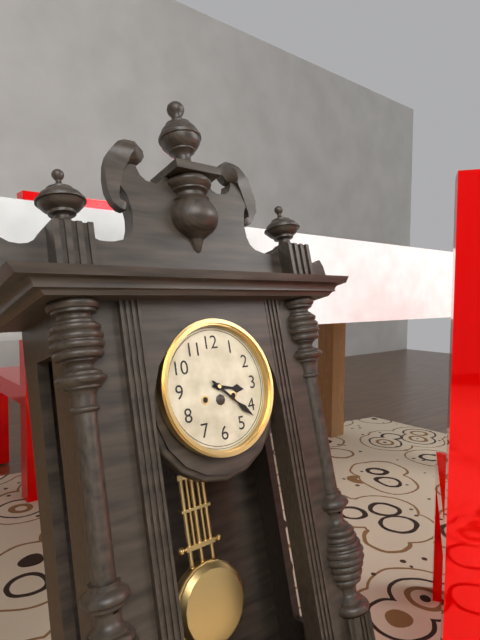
3:22
